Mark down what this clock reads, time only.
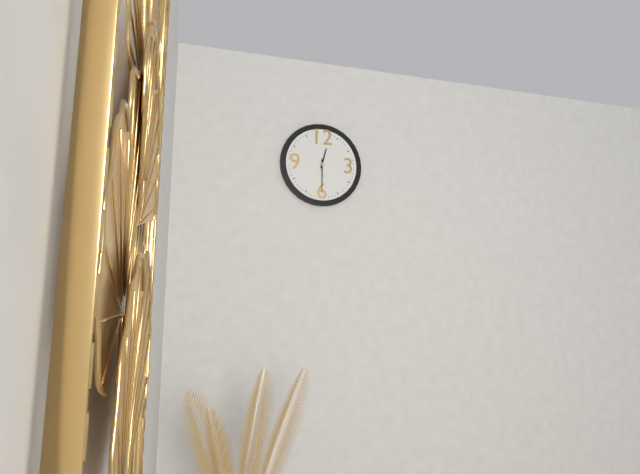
12:30
